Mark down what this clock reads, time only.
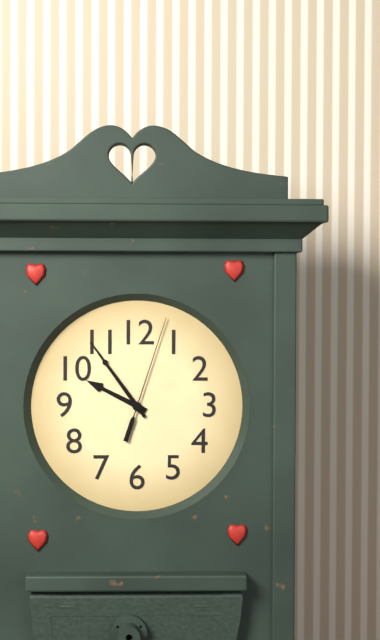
9:54:03
